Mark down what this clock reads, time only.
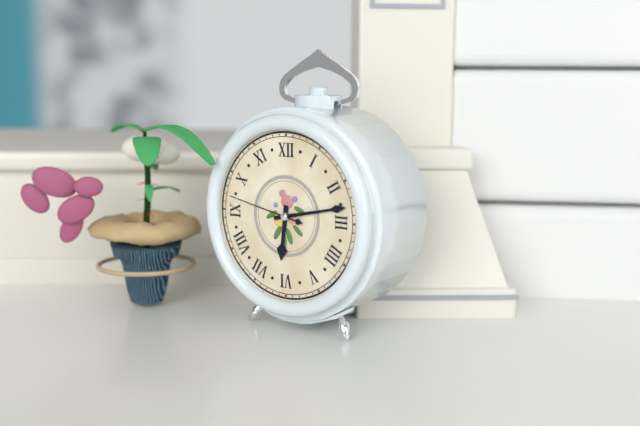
6:13:47
